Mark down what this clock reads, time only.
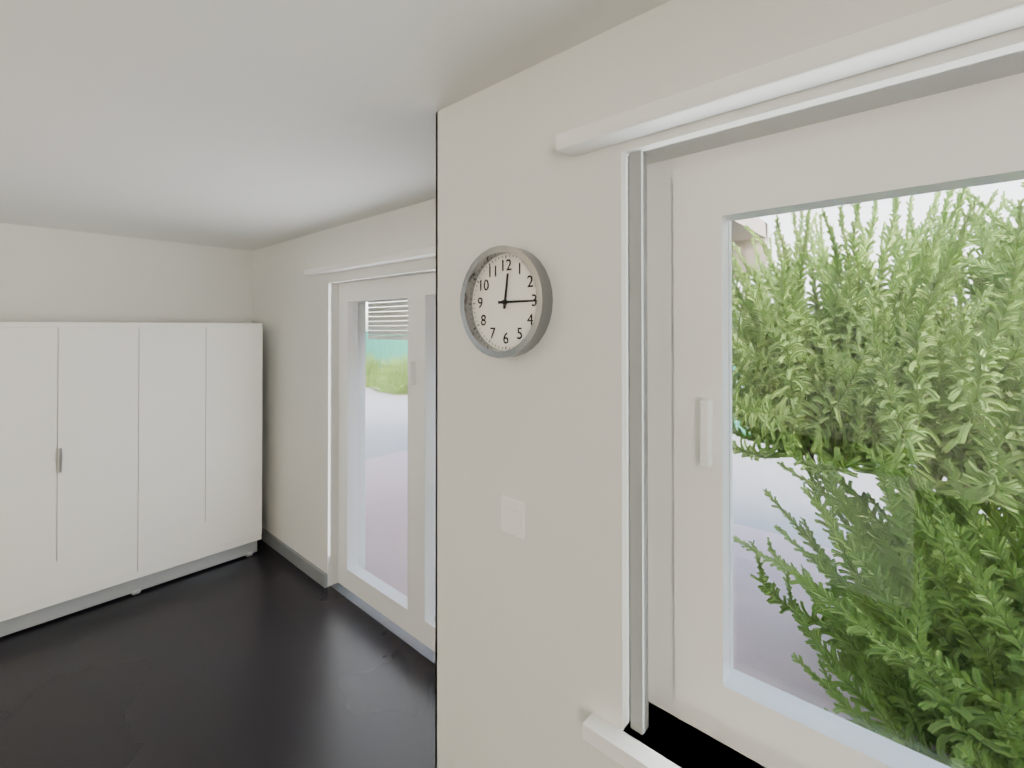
12:15
